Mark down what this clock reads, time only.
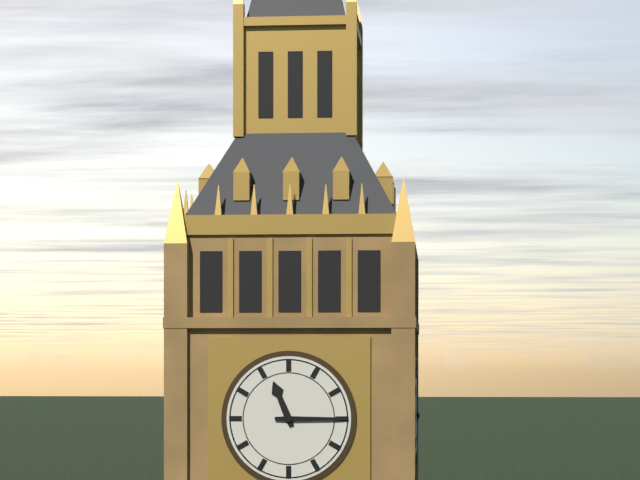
11:15
